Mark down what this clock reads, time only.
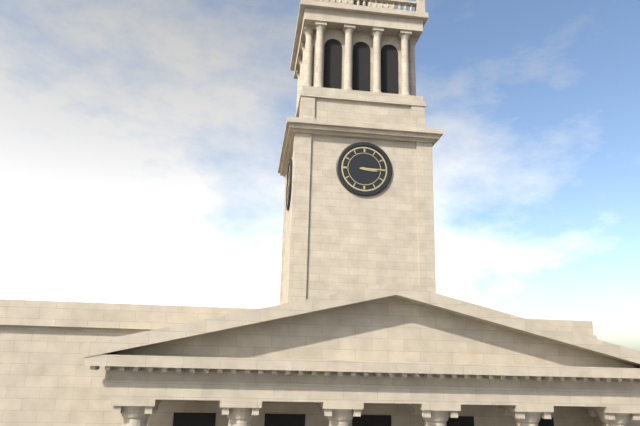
3:15
